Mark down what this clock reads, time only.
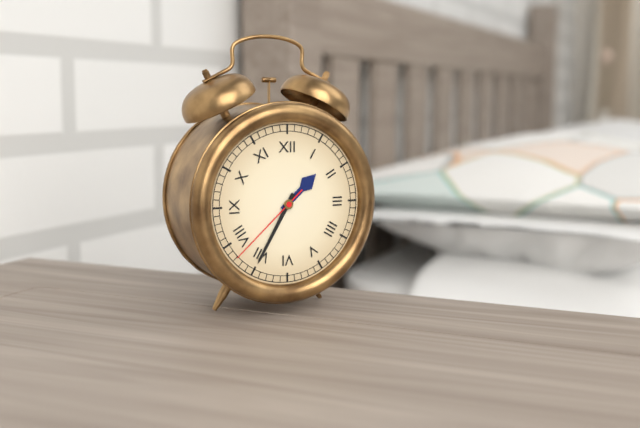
1:35:38
